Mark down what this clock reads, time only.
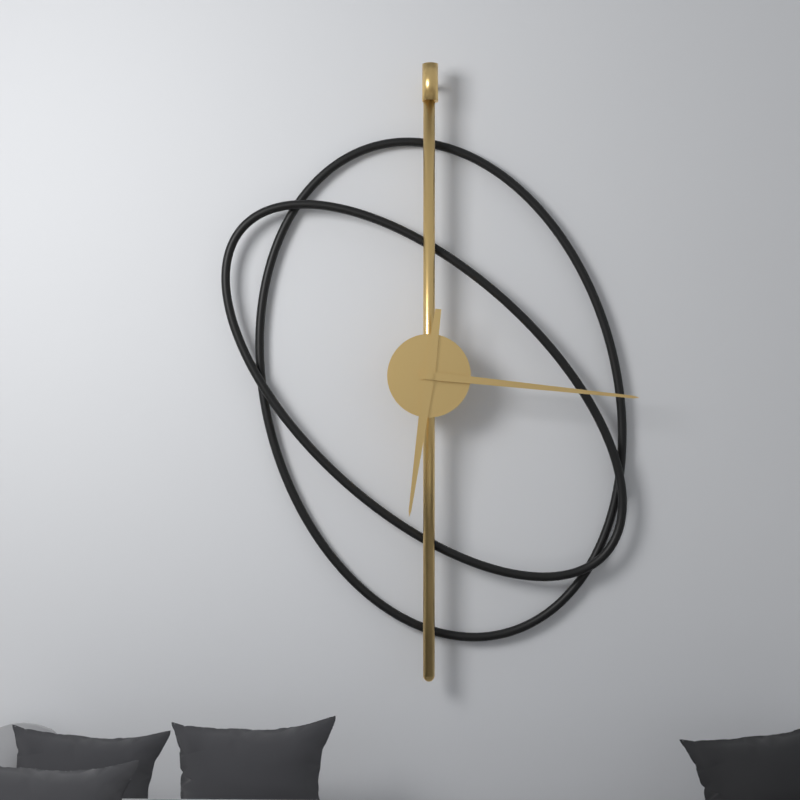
6:16
